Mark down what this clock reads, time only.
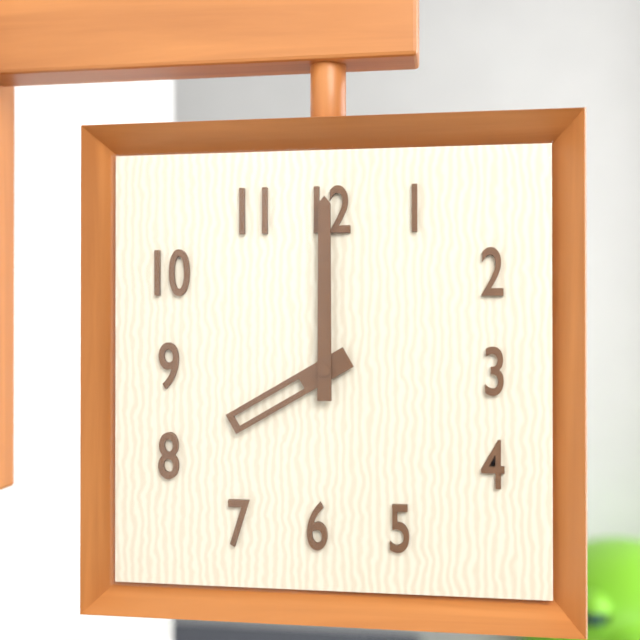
8:00
